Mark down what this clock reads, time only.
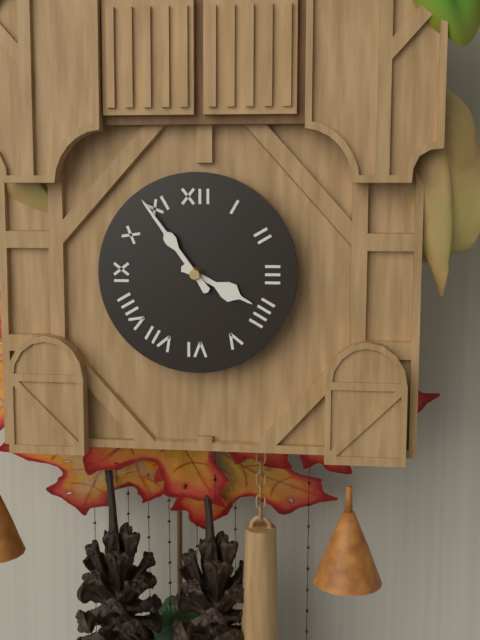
3:54
